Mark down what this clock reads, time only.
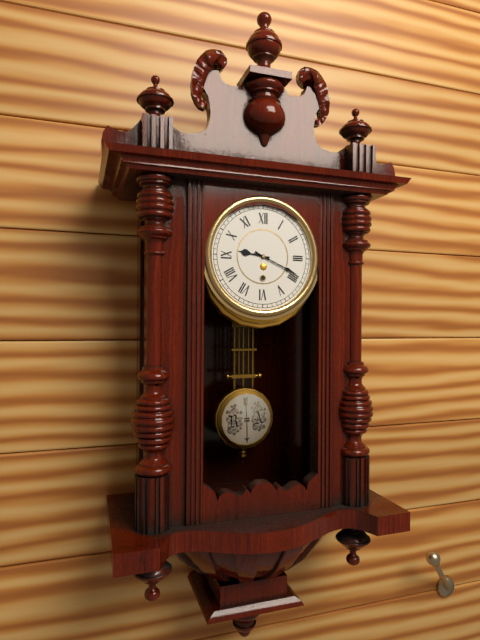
9:19
